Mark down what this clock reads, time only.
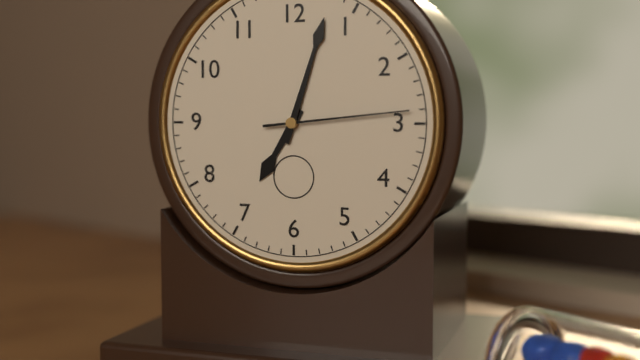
7:03:14
